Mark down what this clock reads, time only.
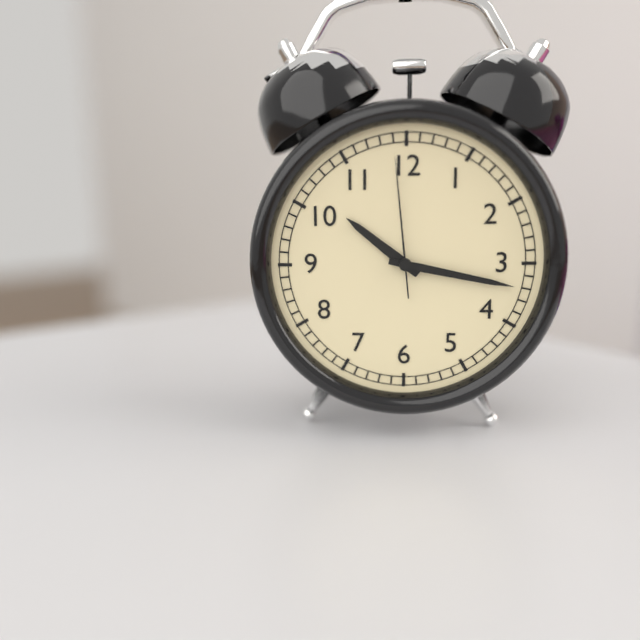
10:17:59
